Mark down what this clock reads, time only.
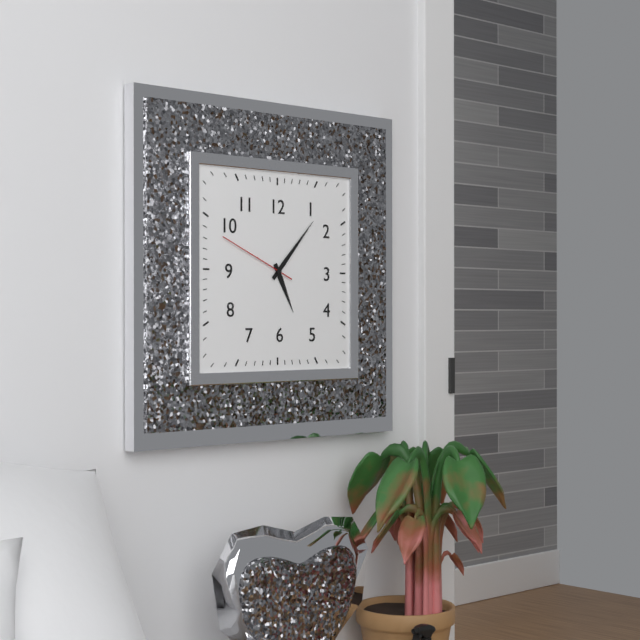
5:07:49
